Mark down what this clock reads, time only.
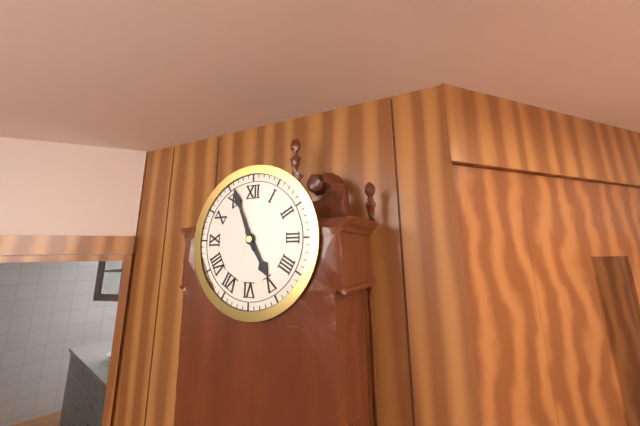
4:56
